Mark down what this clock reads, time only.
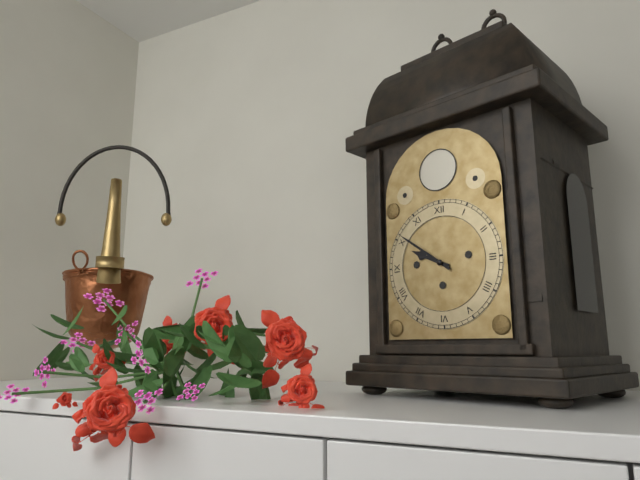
9:51
